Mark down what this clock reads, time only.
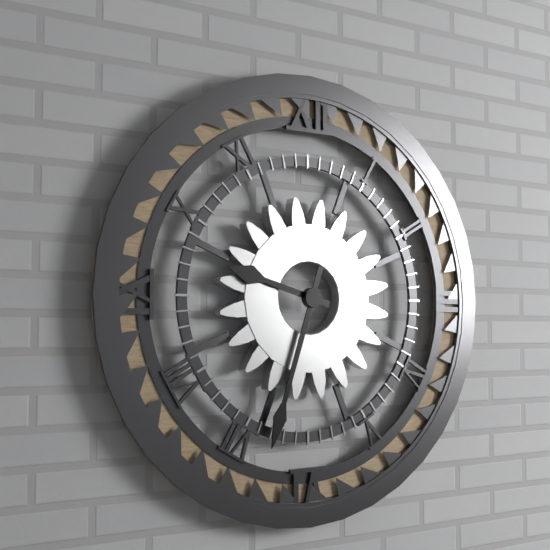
9:33
